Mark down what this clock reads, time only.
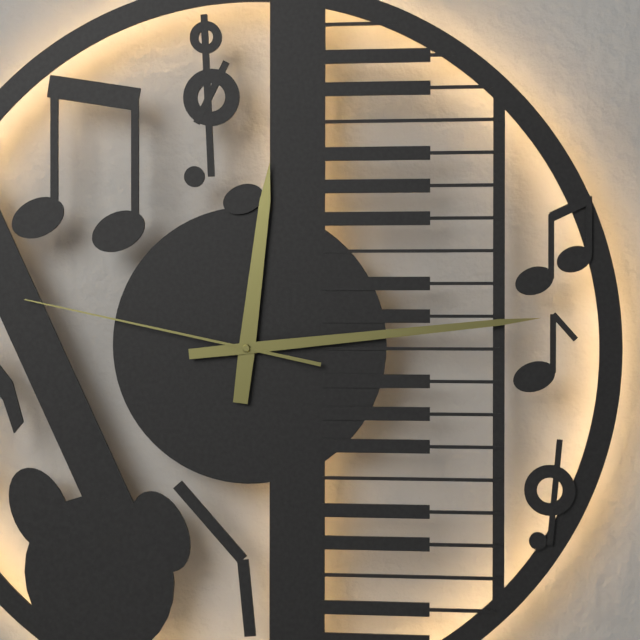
12:14:47
